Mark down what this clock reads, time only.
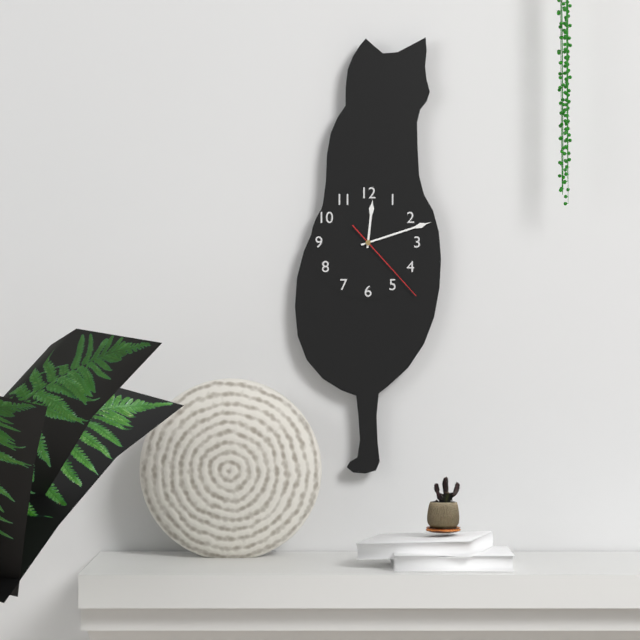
12:12:23
